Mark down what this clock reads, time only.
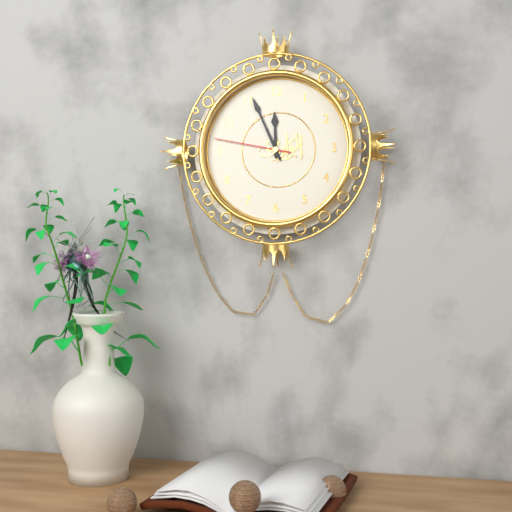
11:56:47
